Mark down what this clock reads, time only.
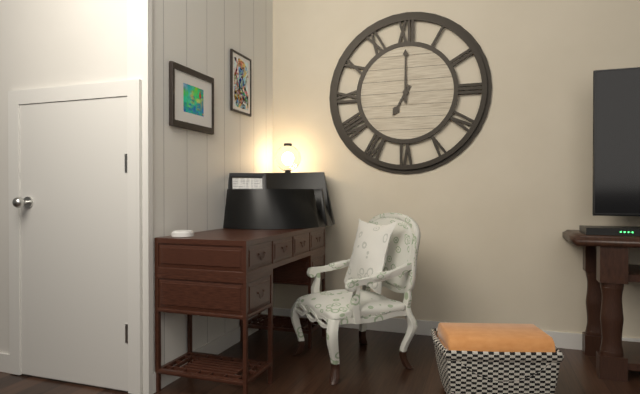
7:00
